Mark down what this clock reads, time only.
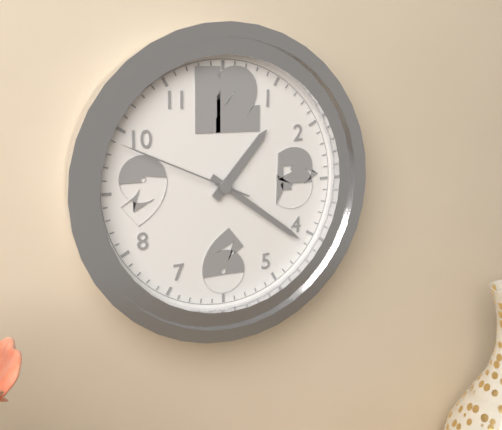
1:21:49
